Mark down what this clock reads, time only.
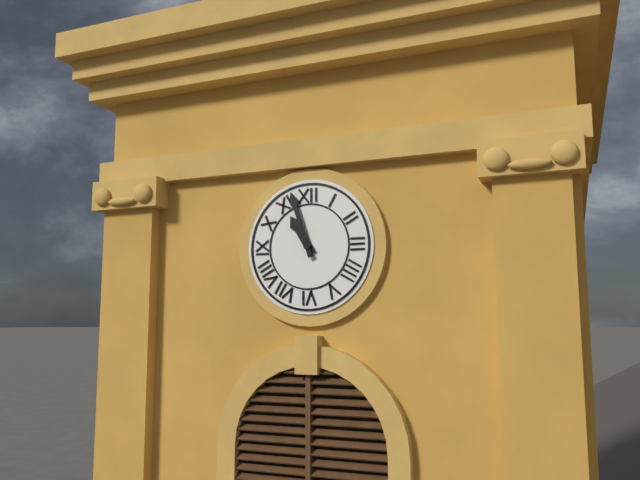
10:57
